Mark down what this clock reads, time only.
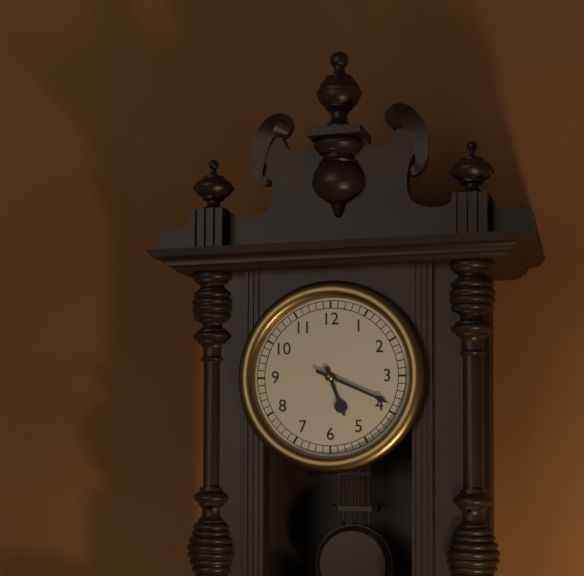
5:19
